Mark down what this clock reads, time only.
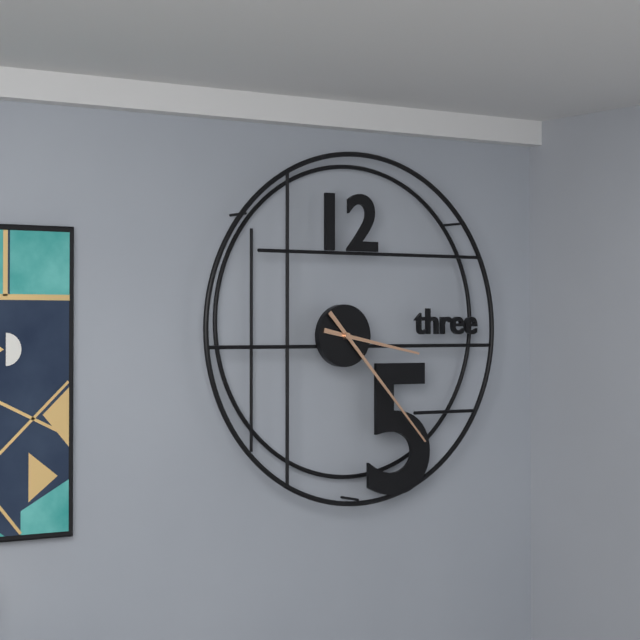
3:23
